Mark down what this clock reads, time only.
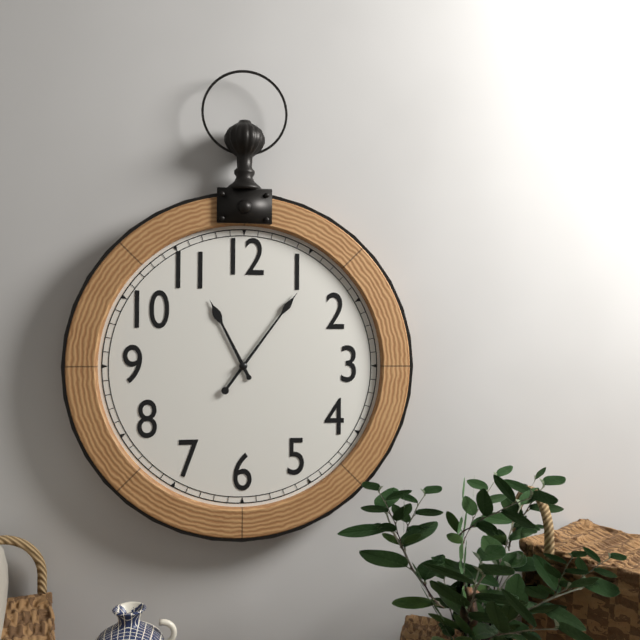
11:06
